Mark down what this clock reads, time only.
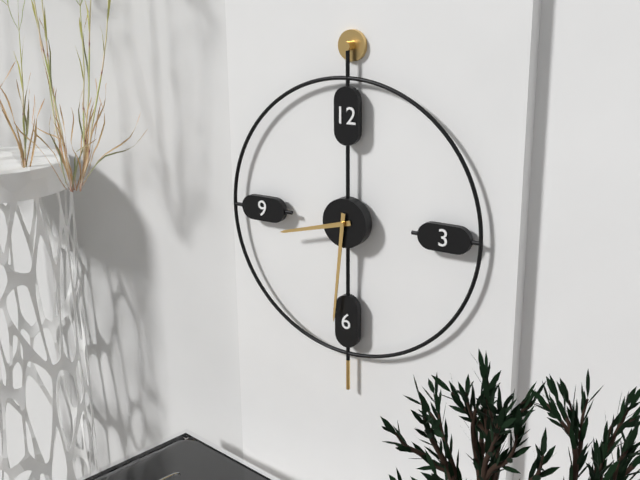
8:31
